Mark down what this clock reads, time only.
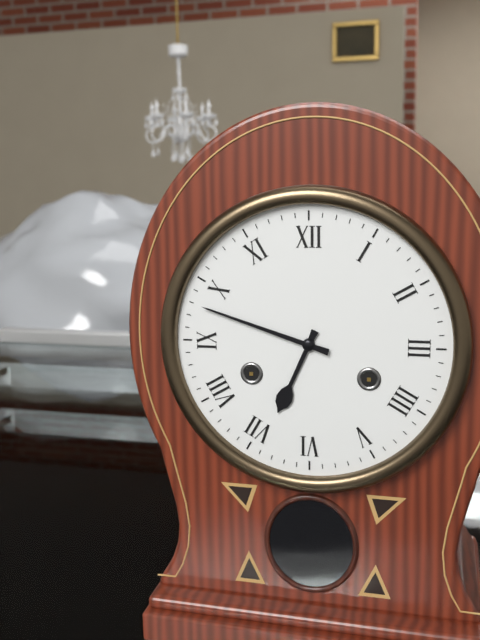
6:48
